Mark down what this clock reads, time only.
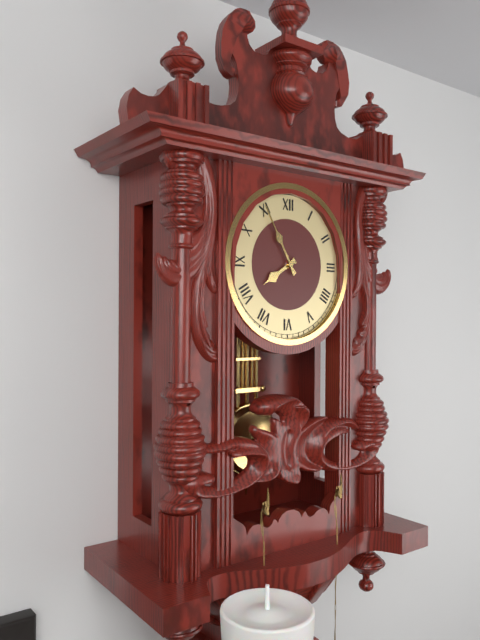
7:55
